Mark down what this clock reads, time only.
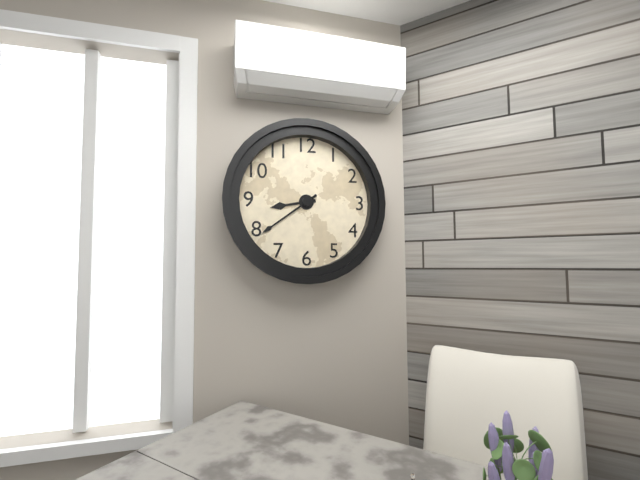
8:39
